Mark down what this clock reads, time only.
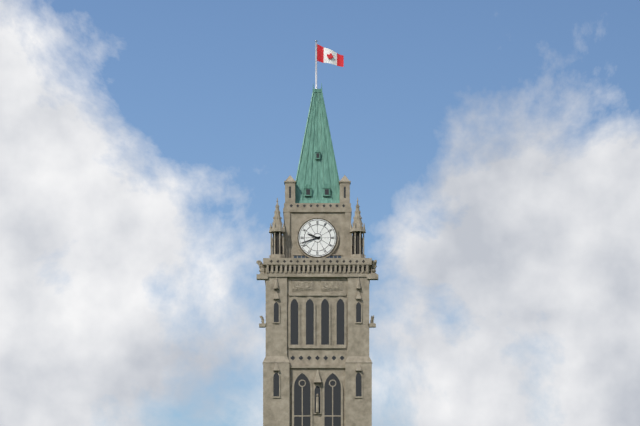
9:42
